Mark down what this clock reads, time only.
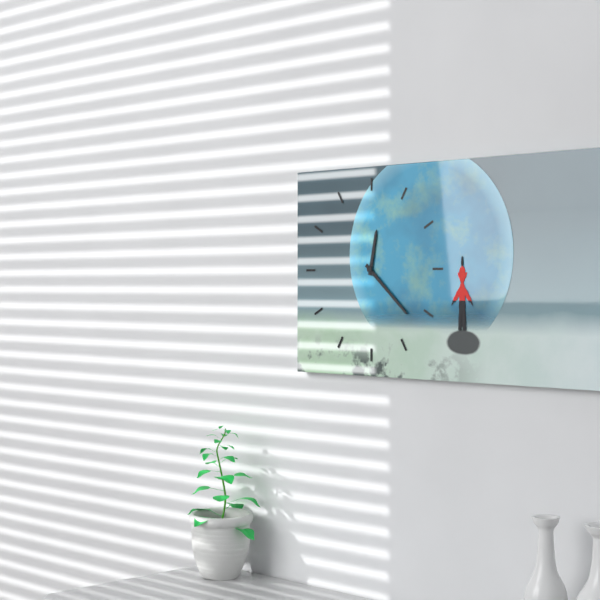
12:22
